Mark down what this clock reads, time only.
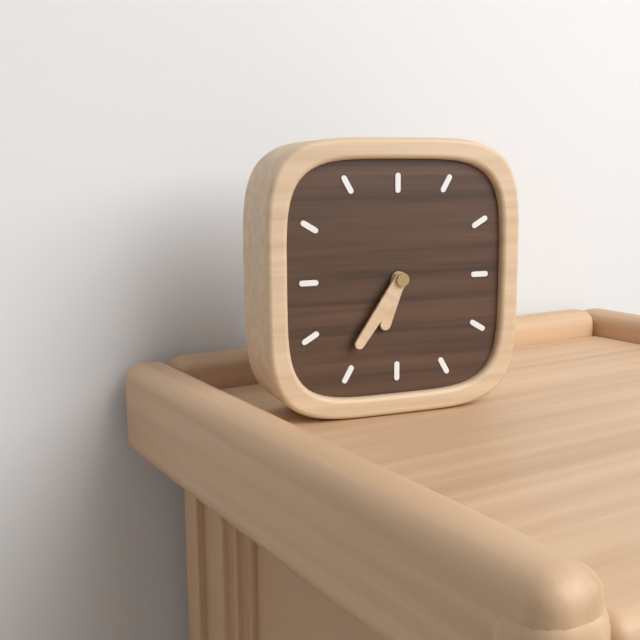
6:36
